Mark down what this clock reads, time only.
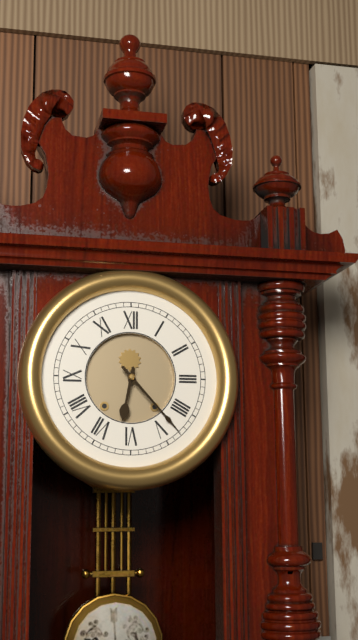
6:23
